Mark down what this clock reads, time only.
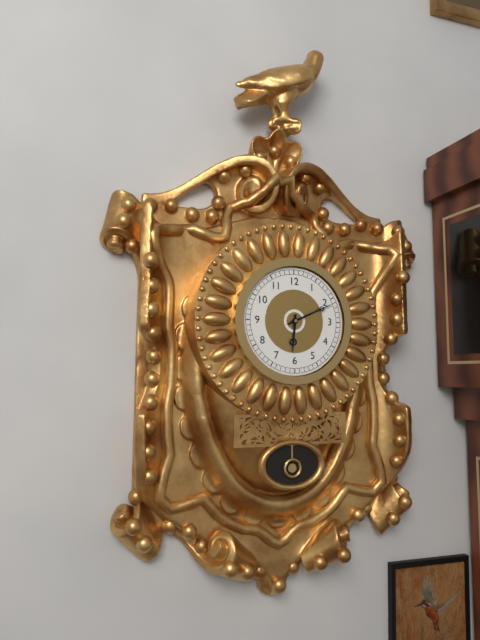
6:11
